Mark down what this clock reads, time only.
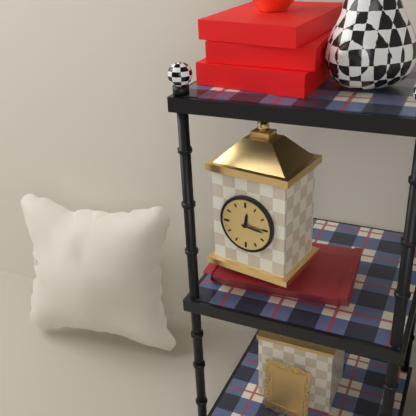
12:16
